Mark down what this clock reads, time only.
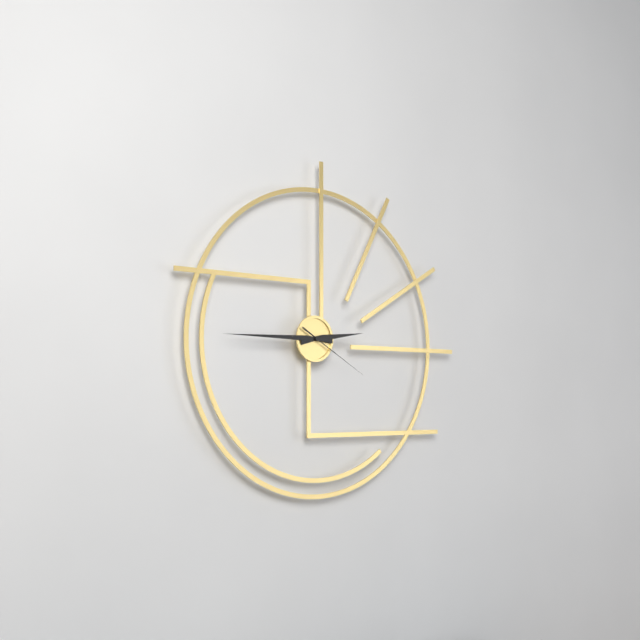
2:45:20
